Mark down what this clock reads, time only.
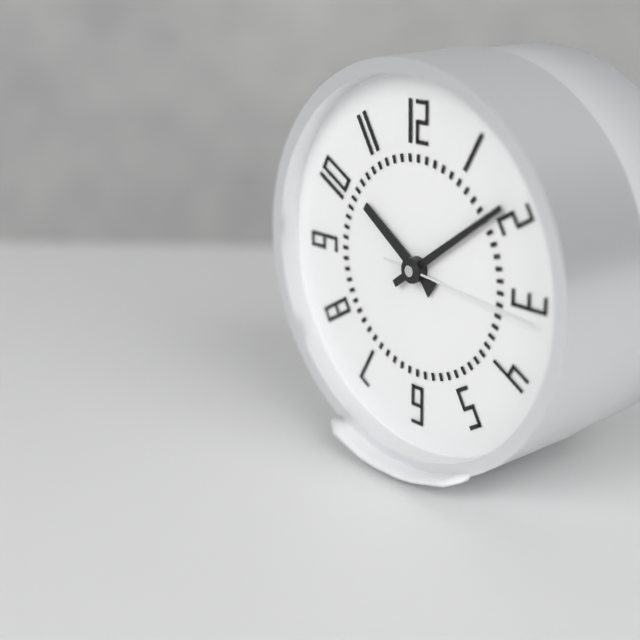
10:09:16
